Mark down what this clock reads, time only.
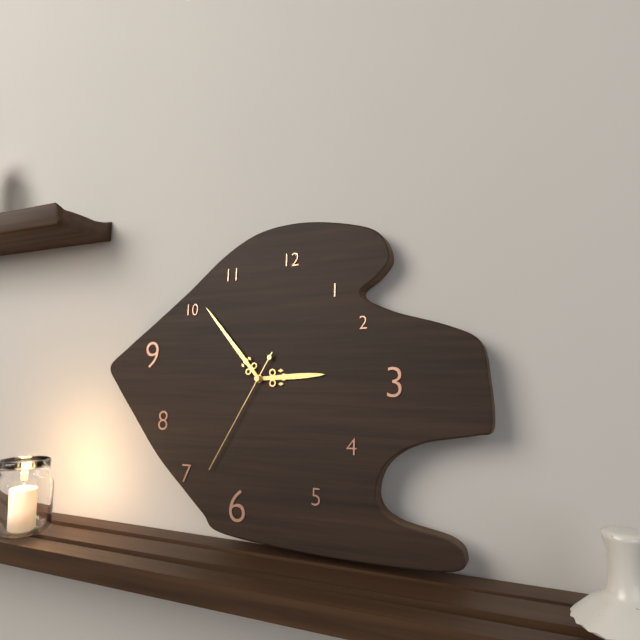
2:53:35
